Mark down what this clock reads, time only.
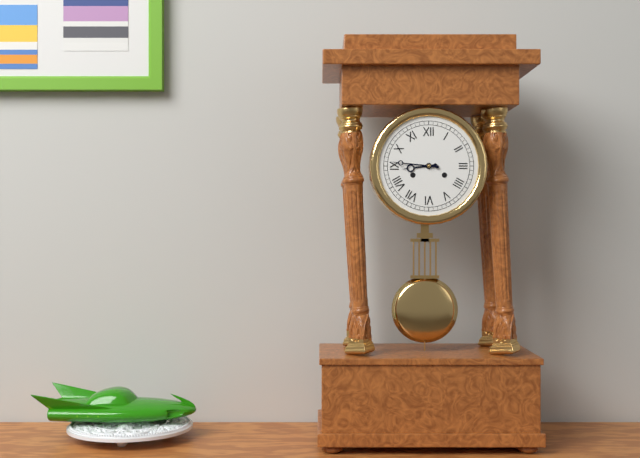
8:46
